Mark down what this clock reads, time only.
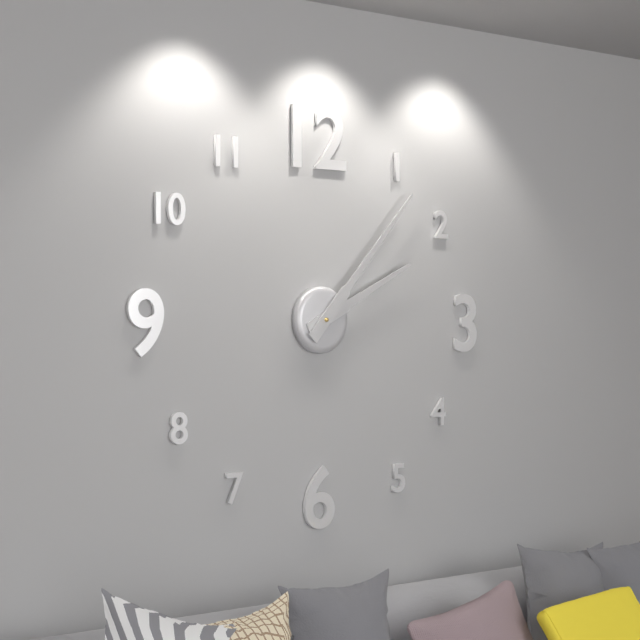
2:07
